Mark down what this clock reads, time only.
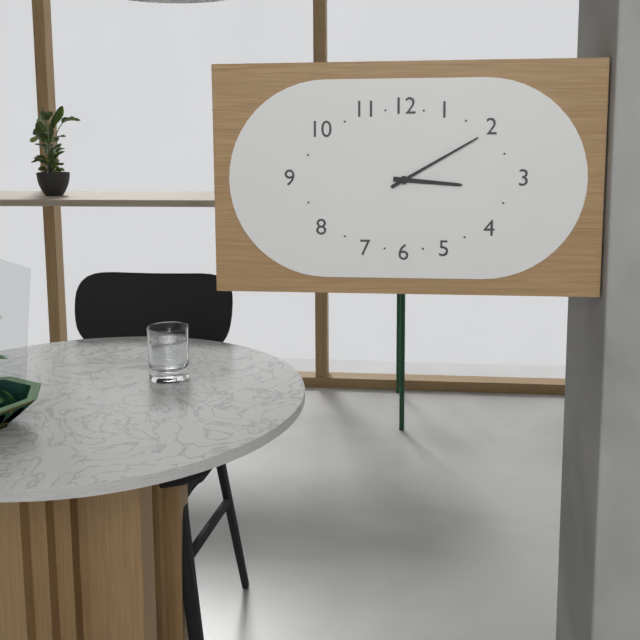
3:10
